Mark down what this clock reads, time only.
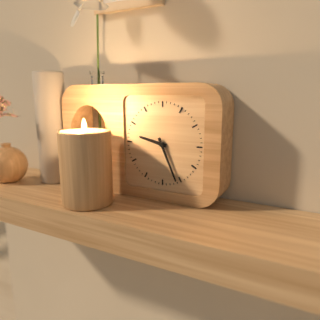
9:26
